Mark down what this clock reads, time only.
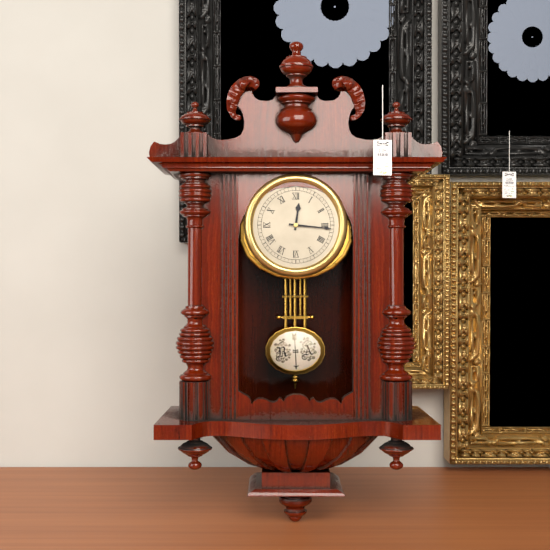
12:16
